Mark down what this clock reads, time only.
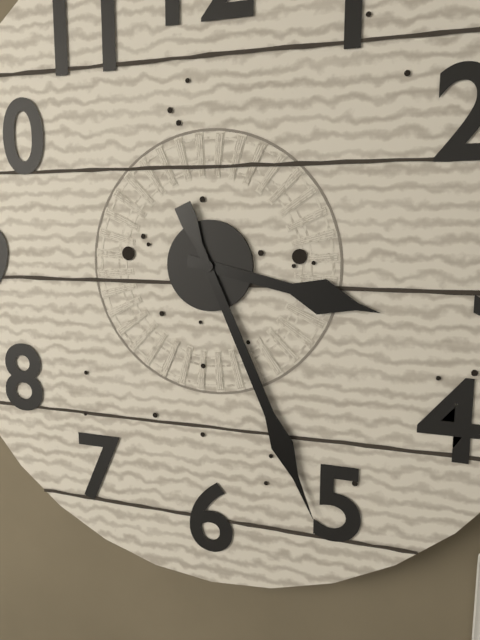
3:26
